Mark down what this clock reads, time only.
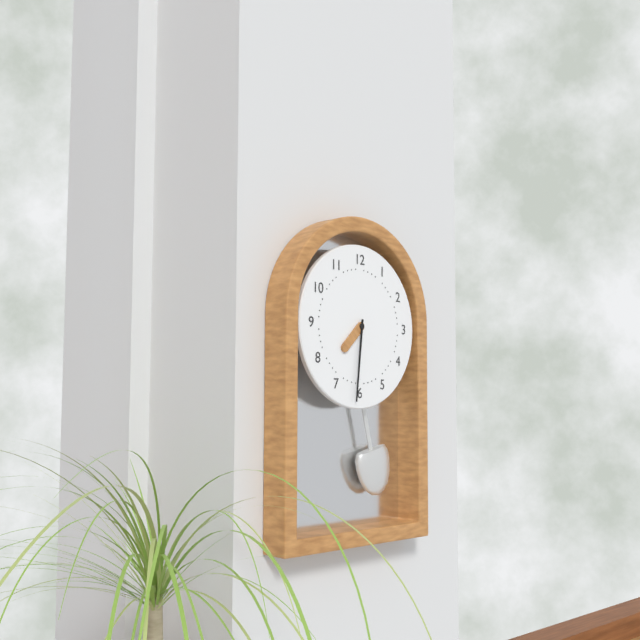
7:31
